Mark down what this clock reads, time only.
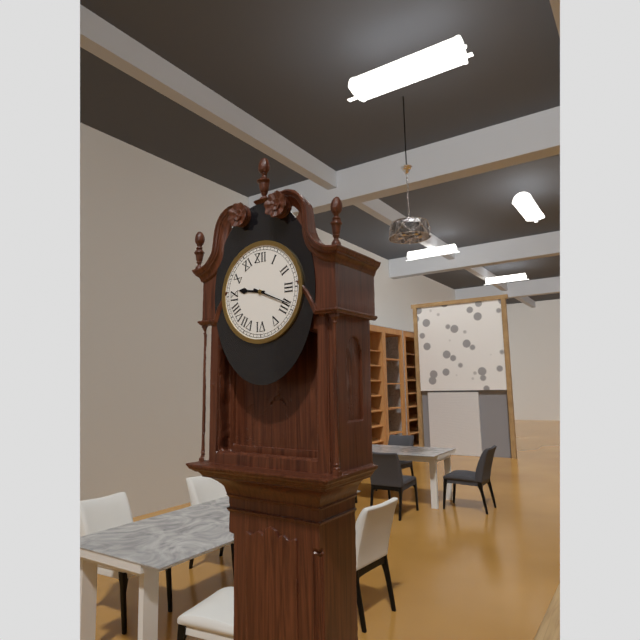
9:19
